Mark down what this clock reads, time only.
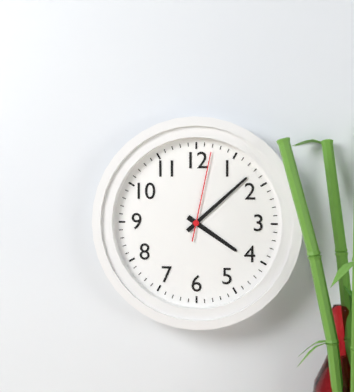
4:08:02
